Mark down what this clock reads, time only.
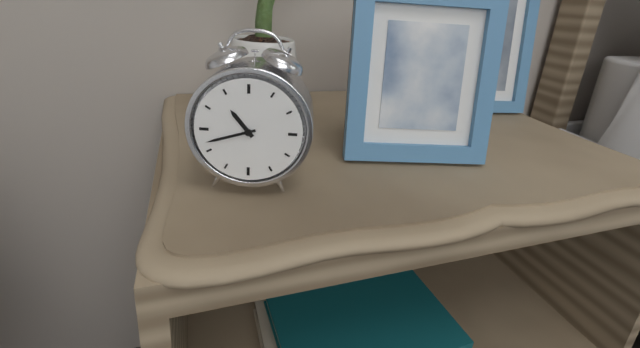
10:42
